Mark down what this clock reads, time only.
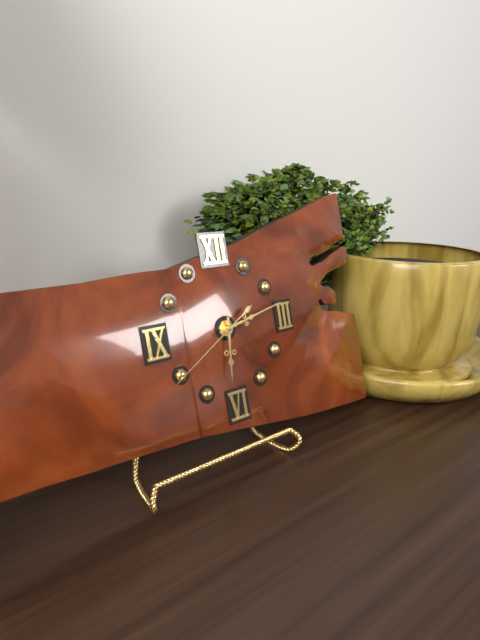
6:13:40
